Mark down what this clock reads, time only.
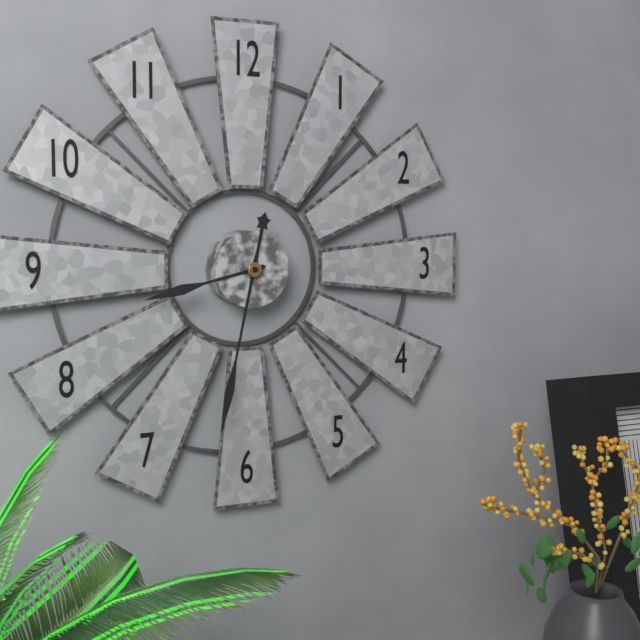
8:32
